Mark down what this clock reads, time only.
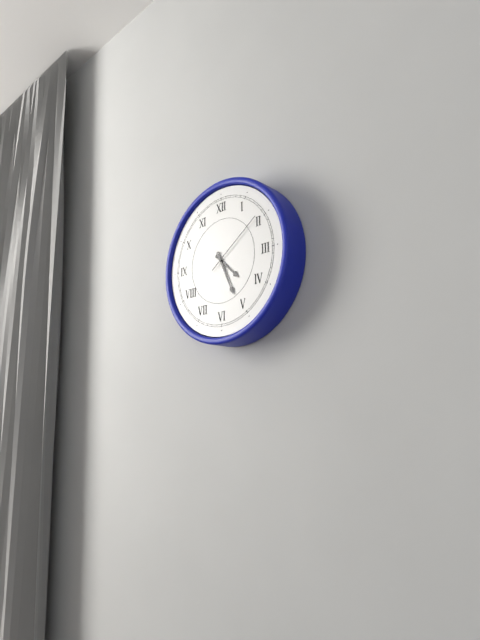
4:26:09
